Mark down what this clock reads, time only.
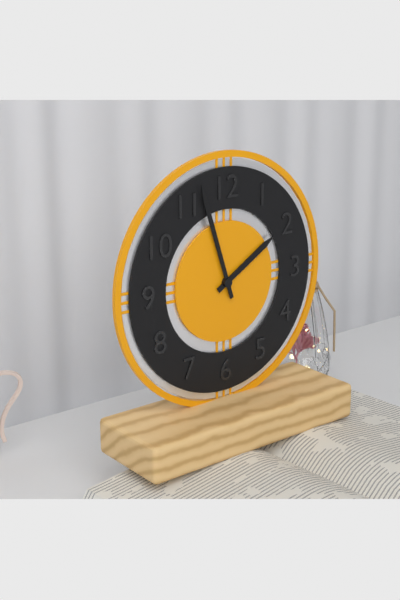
1:57
